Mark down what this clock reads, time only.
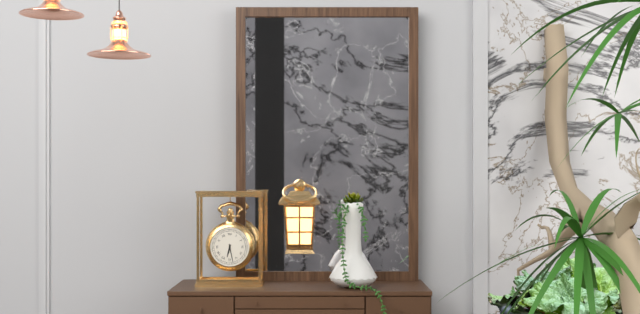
6:28
